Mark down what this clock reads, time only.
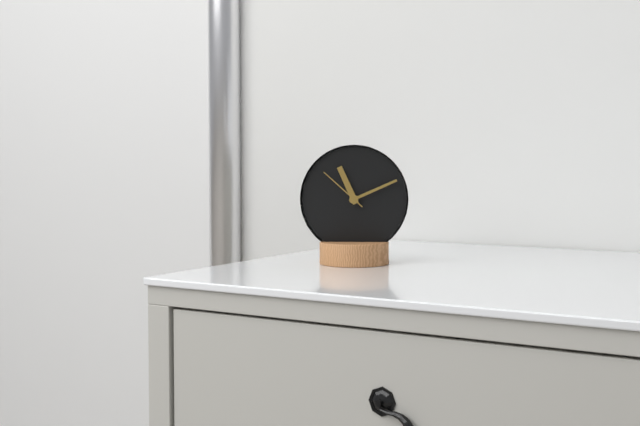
11:11:52
